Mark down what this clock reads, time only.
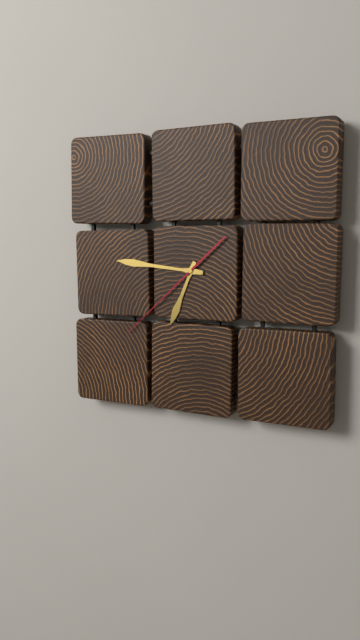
6:46:38
